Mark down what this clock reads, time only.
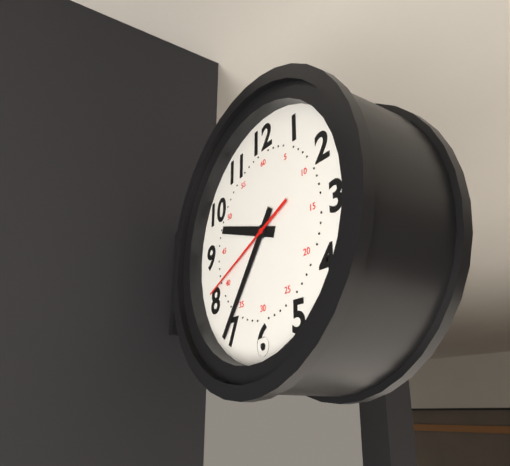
9:36:41
